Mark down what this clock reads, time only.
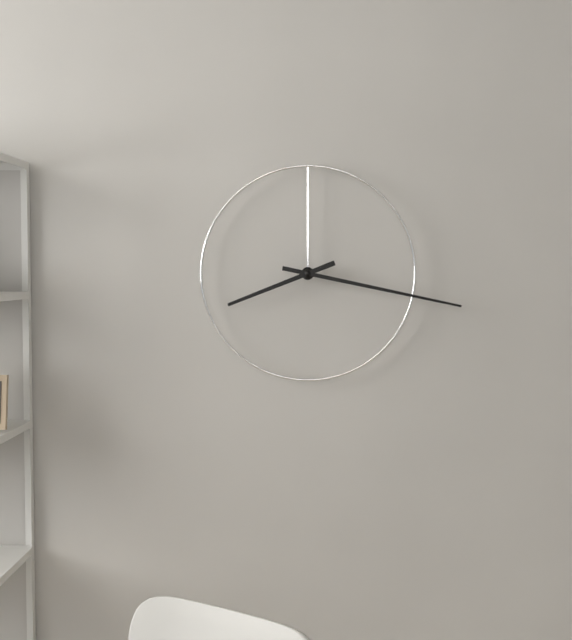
8:17
